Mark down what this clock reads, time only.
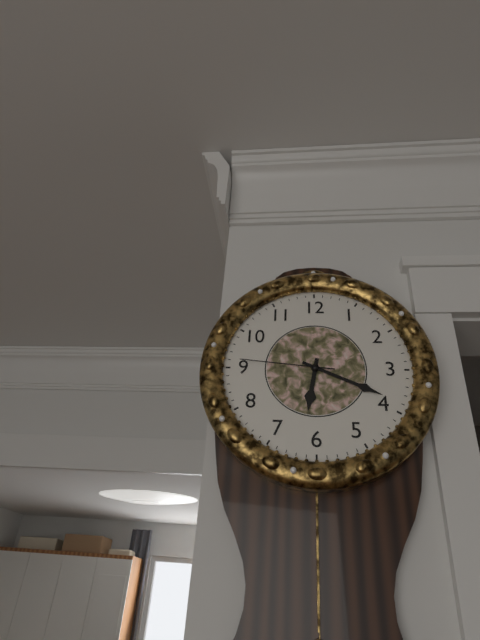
6:19:46
